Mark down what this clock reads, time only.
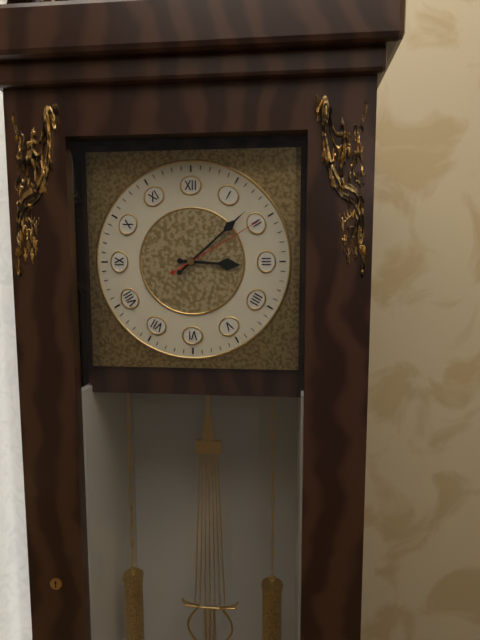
3:08:10
